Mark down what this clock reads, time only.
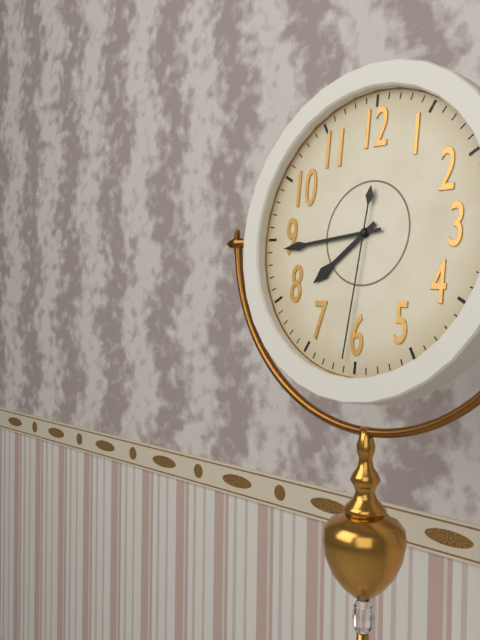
7:44:31
